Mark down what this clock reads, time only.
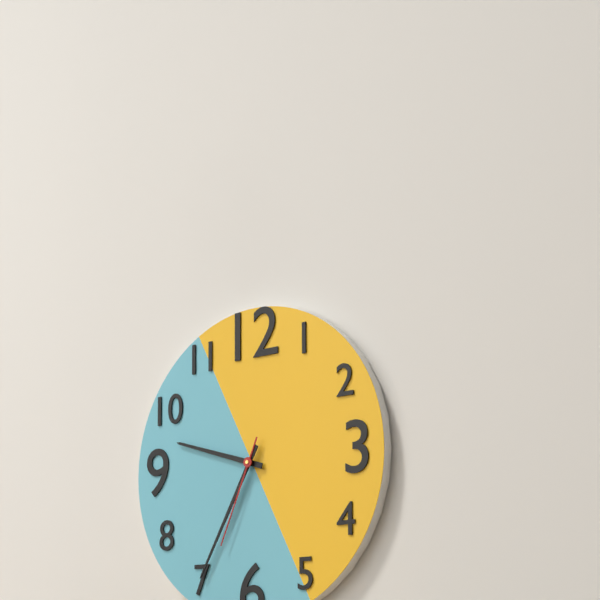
9:35:34
